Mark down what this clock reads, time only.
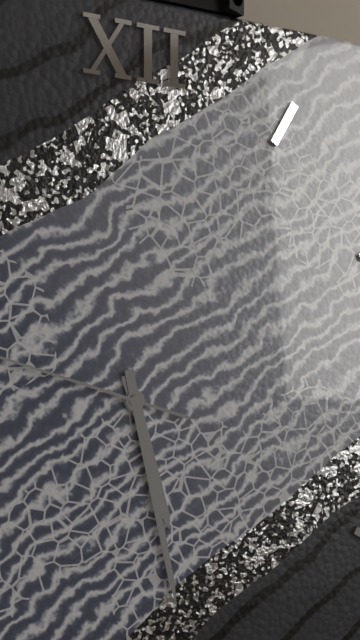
5:28
